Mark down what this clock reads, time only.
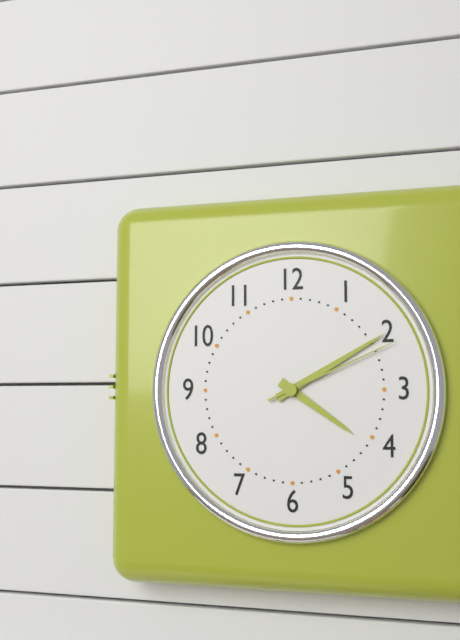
4:10:11
